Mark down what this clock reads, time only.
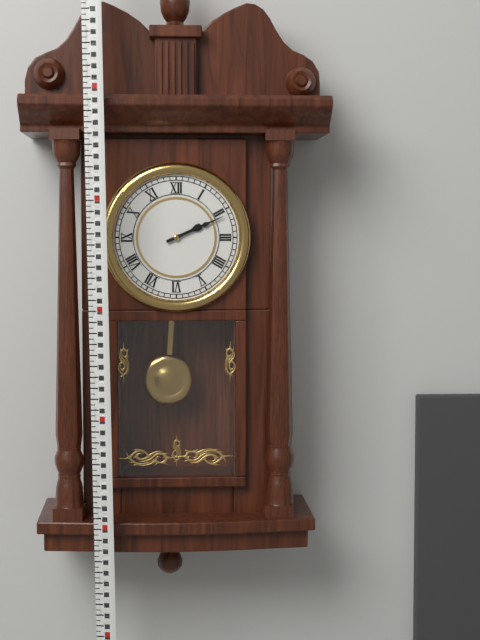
2:11
